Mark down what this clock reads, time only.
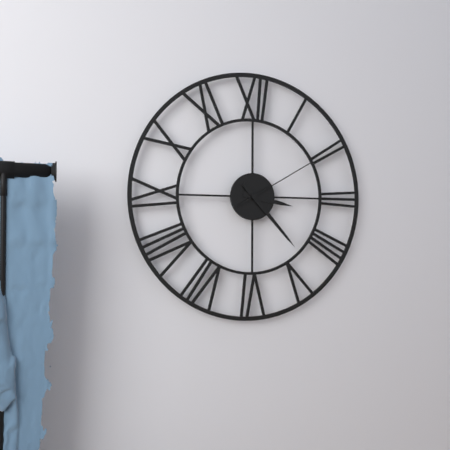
3:23:10
